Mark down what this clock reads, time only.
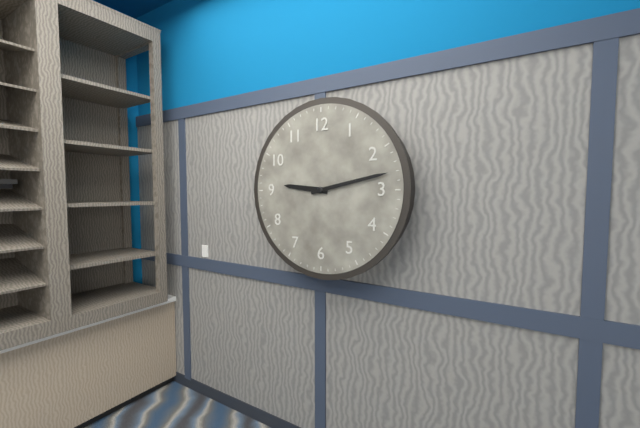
9:13
